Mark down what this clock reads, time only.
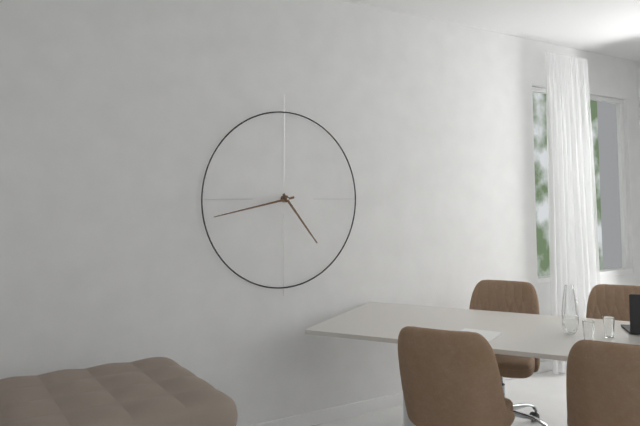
4:43
